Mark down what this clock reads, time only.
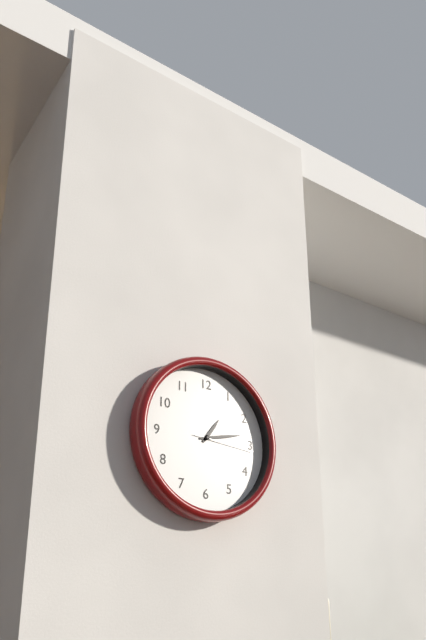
1:13:16
